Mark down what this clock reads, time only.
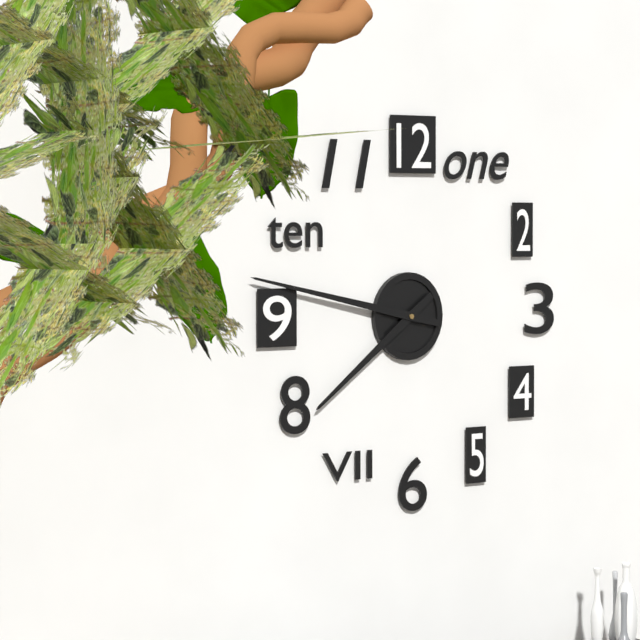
7:47
